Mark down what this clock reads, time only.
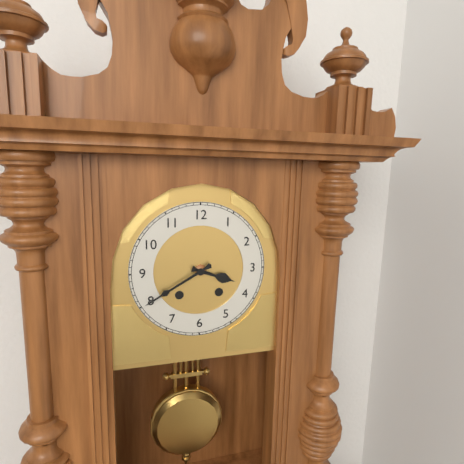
3:40
